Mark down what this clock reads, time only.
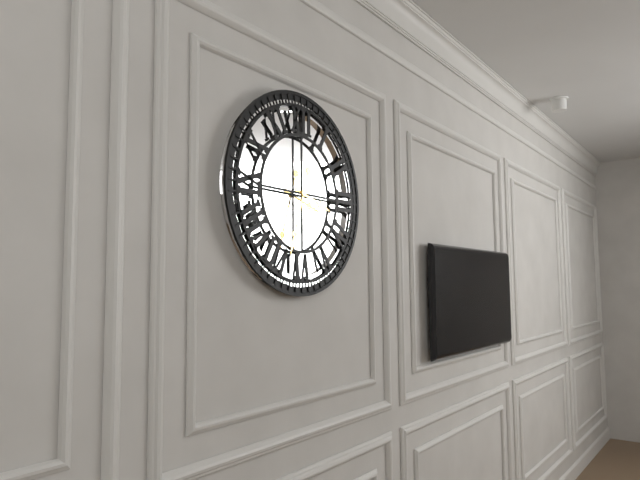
3:33
